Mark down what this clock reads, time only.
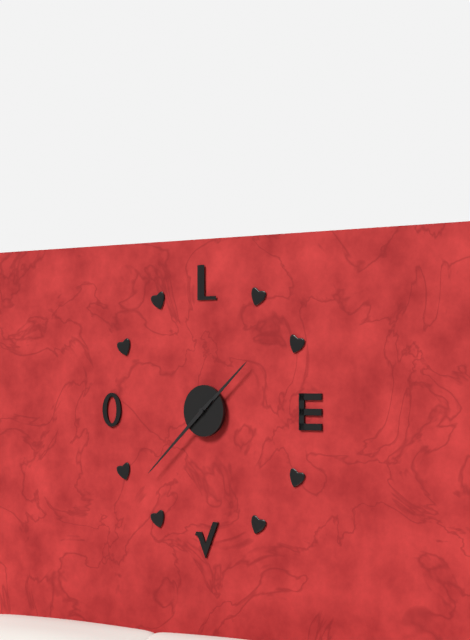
1:38
